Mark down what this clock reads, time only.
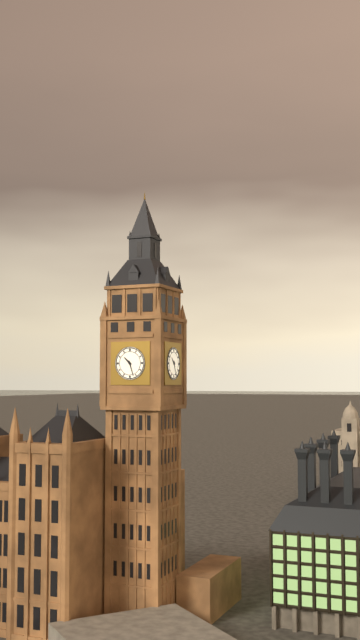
10:27
